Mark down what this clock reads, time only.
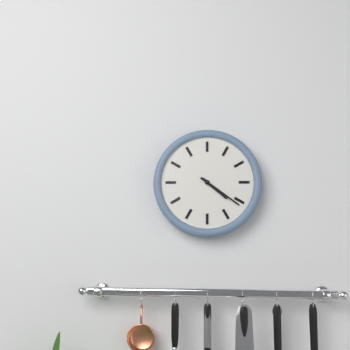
4:21
